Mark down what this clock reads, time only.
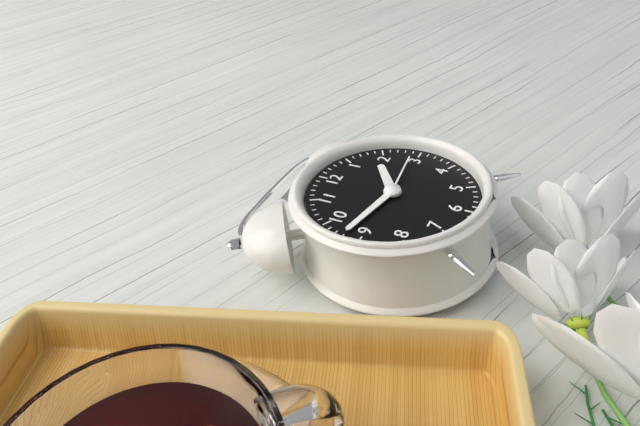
1:47
